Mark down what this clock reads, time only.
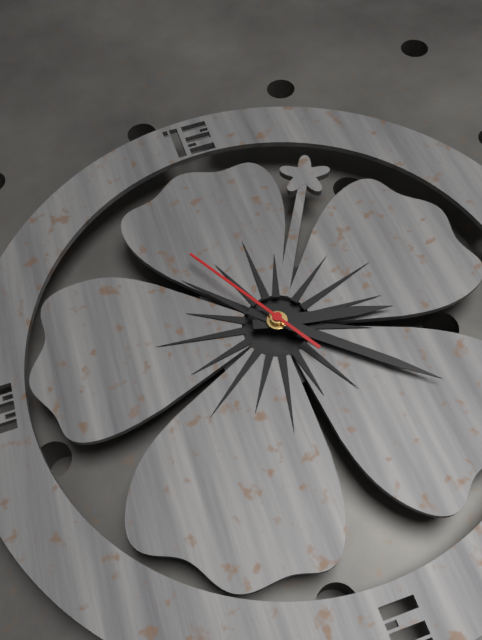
3:22:55
